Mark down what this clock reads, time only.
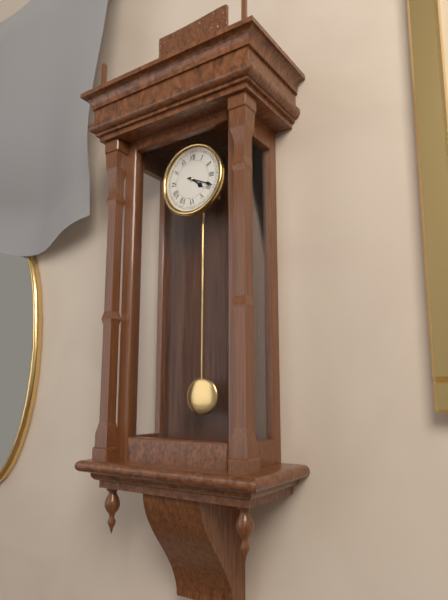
4:19
